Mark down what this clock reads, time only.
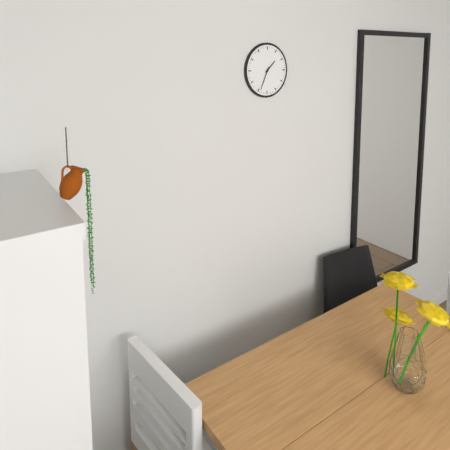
1:34
